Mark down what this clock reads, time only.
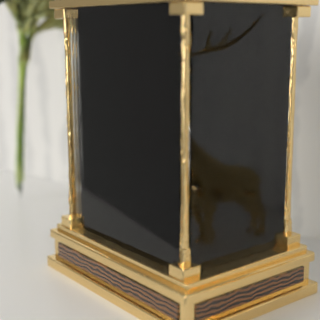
1:37
